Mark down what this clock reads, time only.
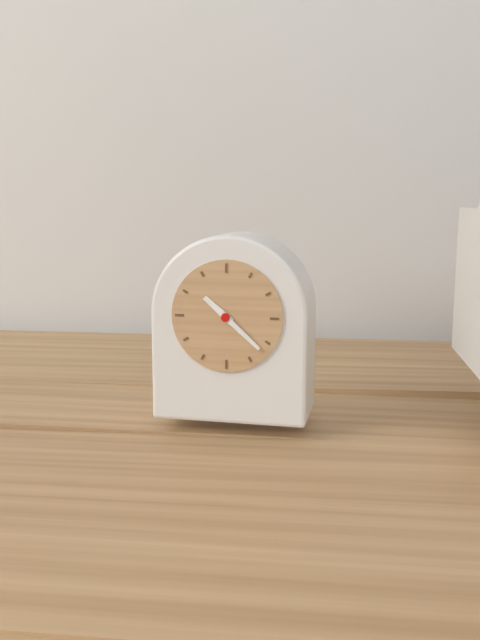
10:22
